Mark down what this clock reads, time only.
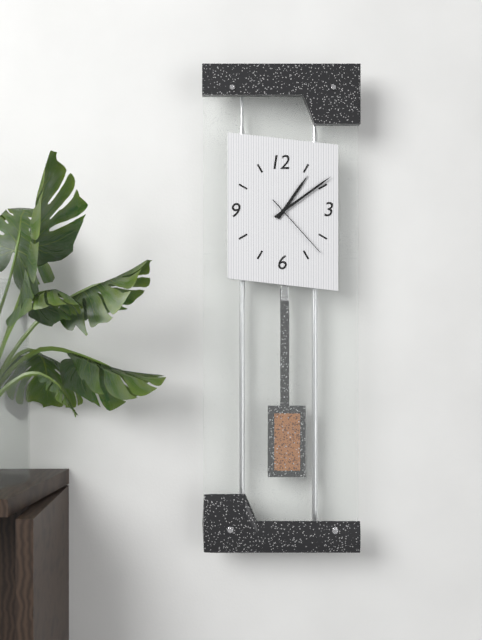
1:09:23
